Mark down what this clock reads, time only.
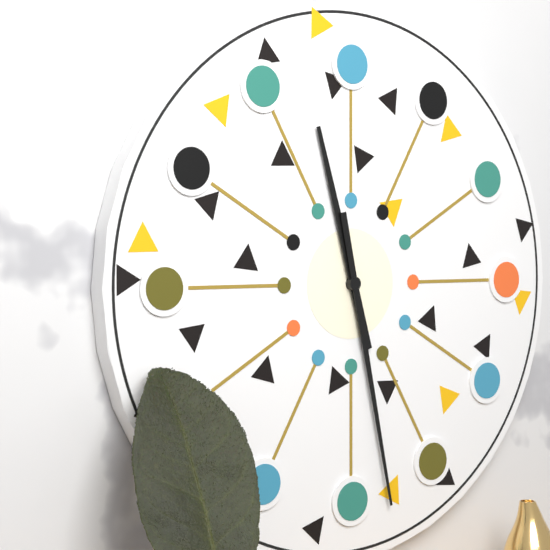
11:28
